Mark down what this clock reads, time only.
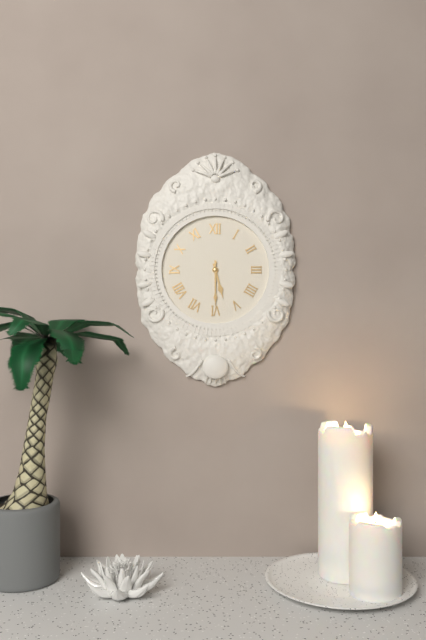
5:30
